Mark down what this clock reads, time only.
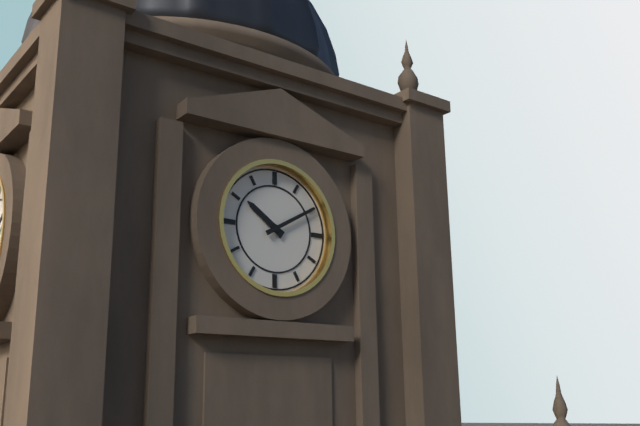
10:10
